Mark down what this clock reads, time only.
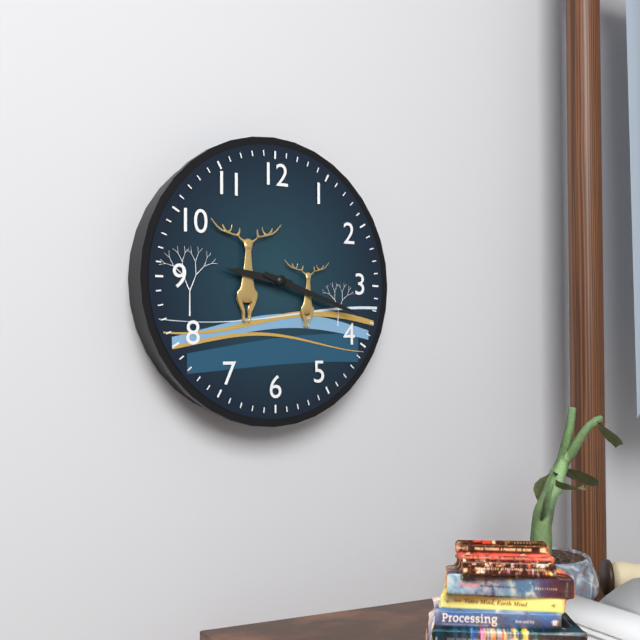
9:18
